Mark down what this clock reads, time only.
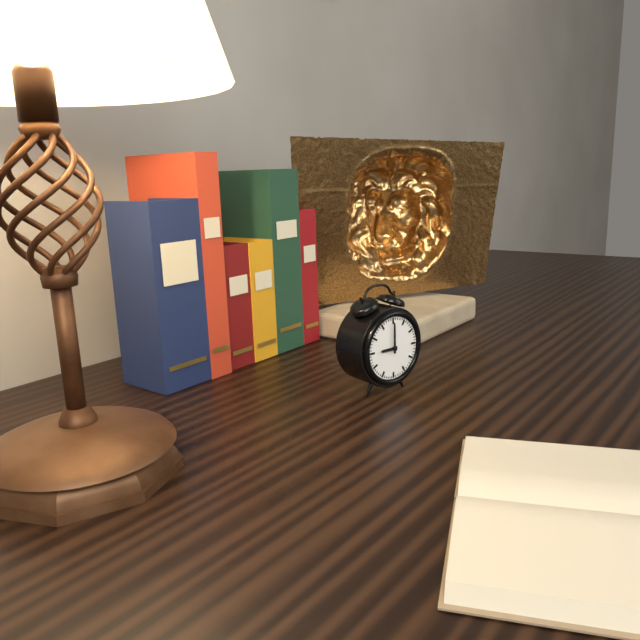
9:00
